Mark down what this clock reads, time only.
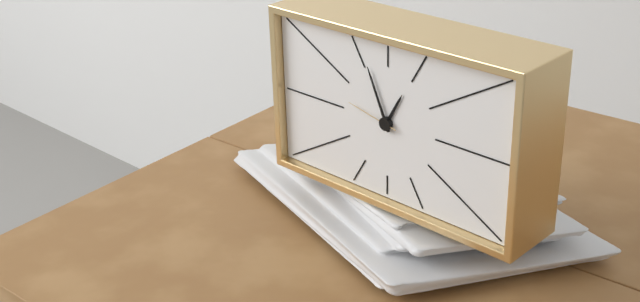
12:56:47
